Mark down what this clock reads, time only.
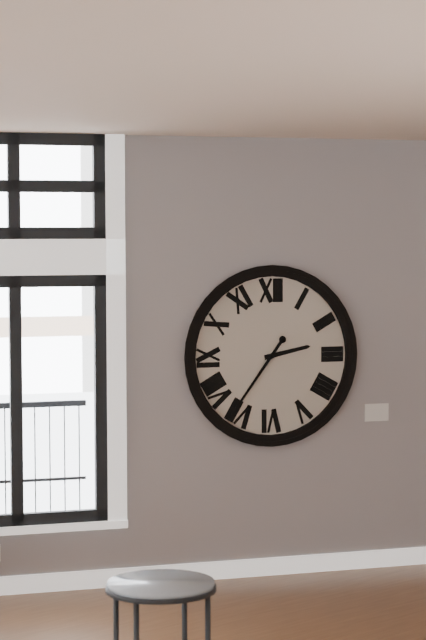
2:36
